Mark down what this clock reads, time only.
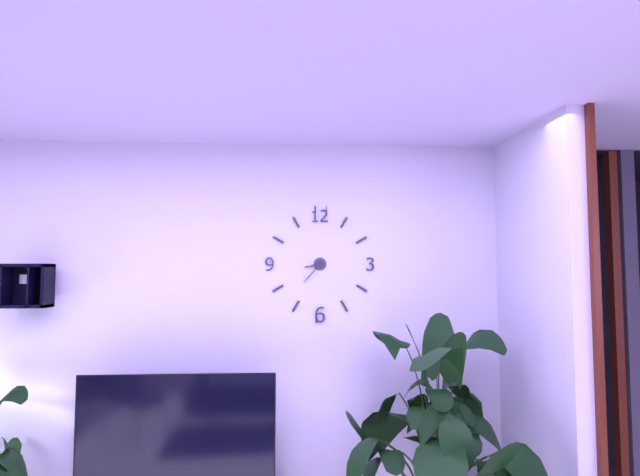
8:37
